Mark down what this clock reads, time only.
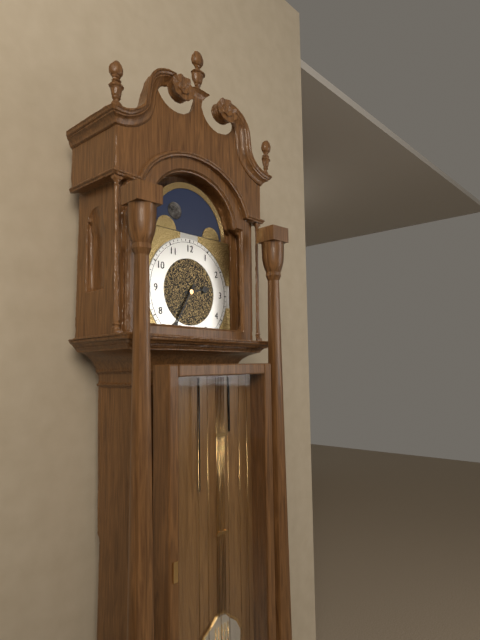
2:35
